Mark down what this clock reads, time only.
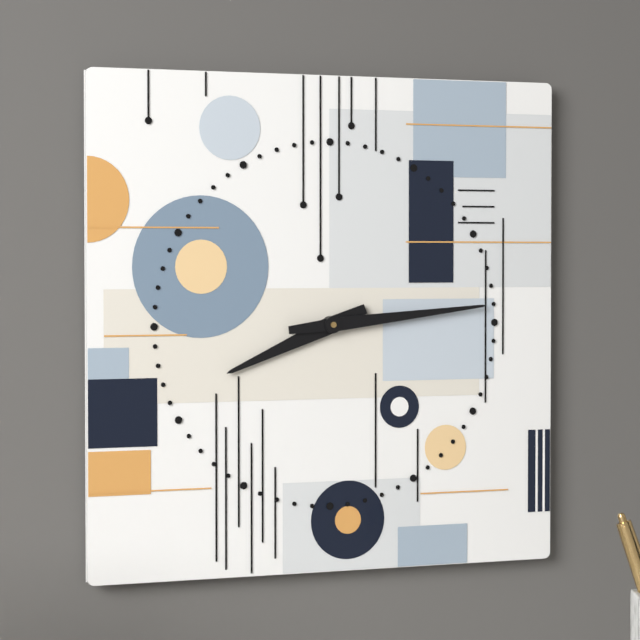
8:14
